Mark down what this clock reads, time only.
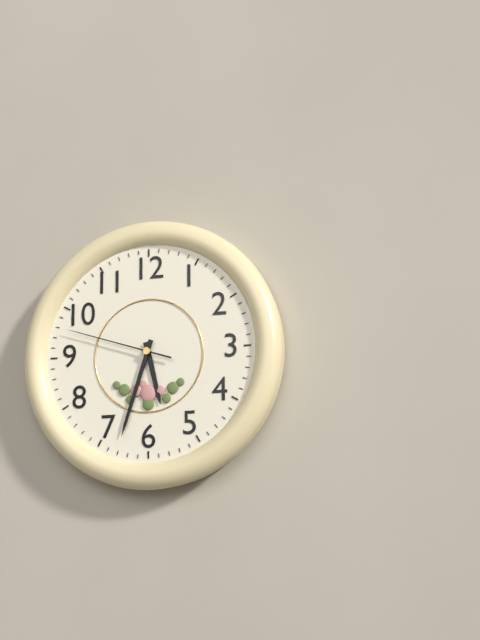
5:33:48
